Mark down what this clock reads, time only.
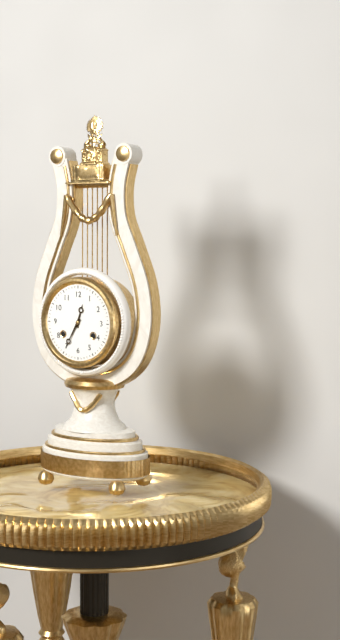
12:35
